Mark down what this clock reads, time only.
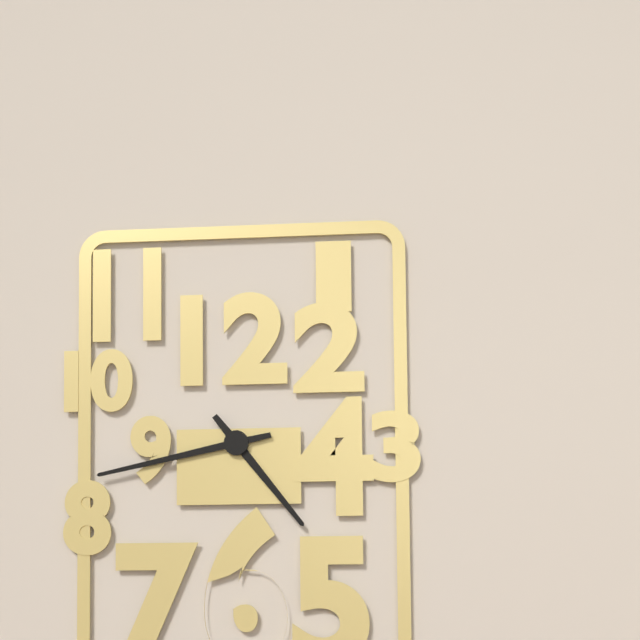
4:43
